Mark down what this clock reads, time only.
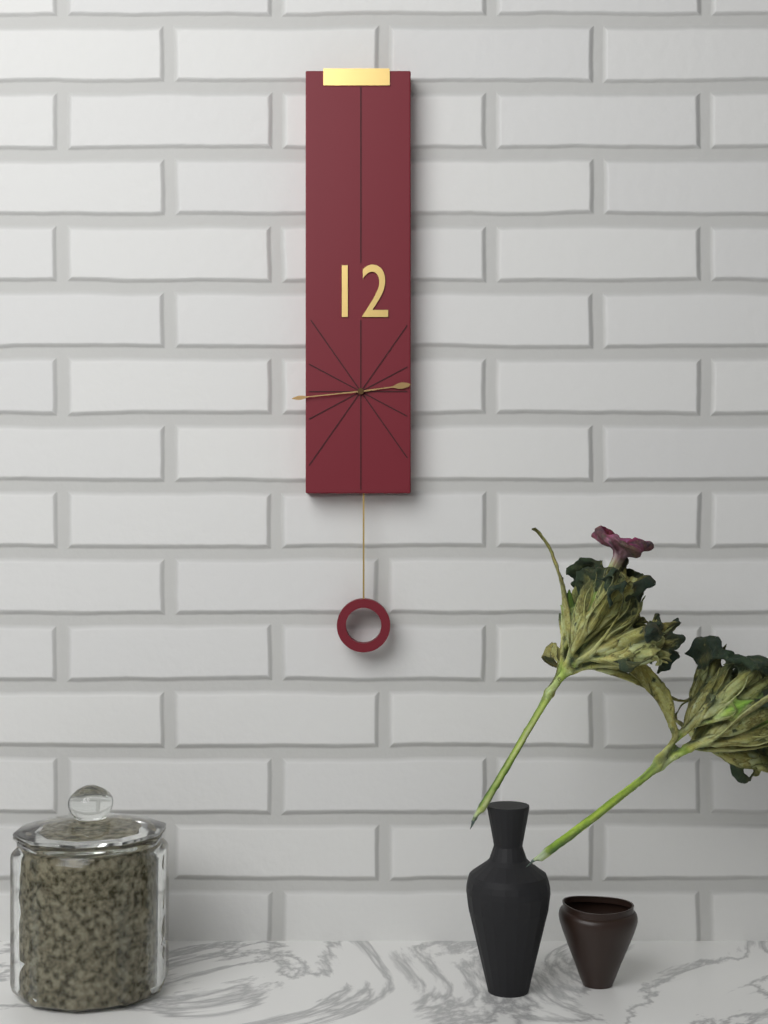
2:44
